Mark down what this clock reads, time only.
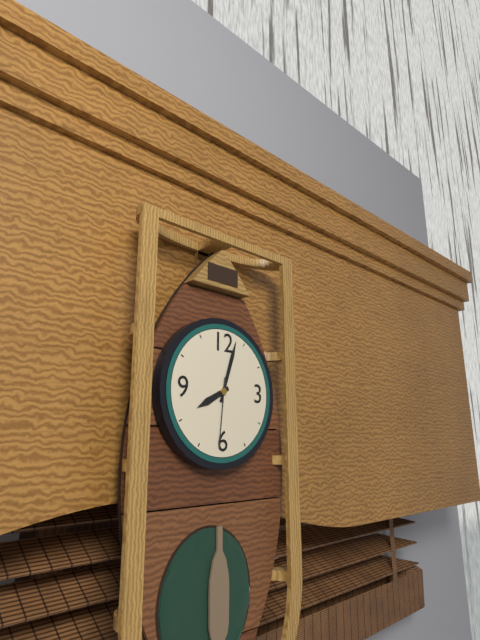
8:03:31
